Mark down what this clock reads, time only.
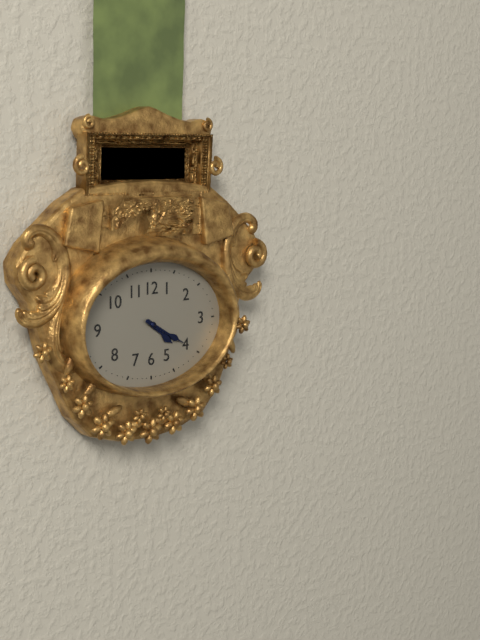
4:20
